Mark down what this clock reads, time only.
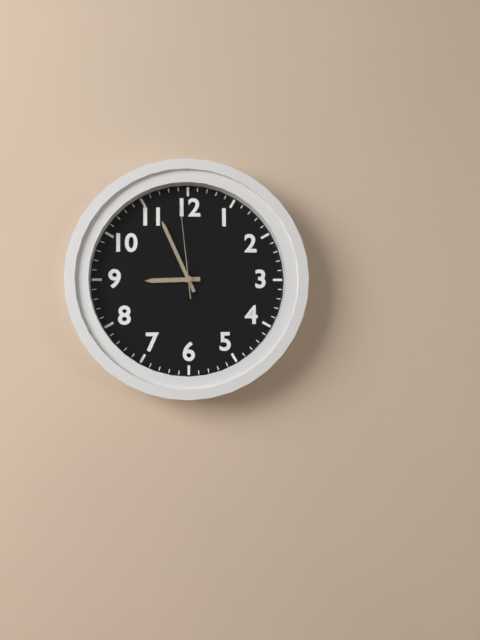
8:56:59
